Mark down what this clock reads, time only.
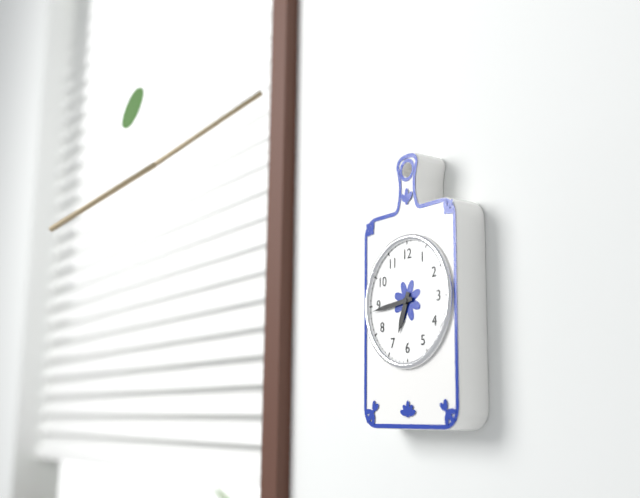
6:44
